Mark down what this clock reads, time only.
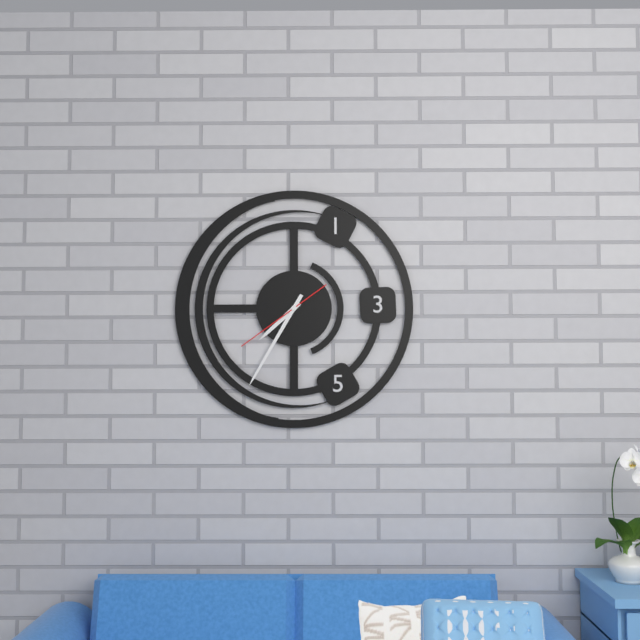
7:35:39
